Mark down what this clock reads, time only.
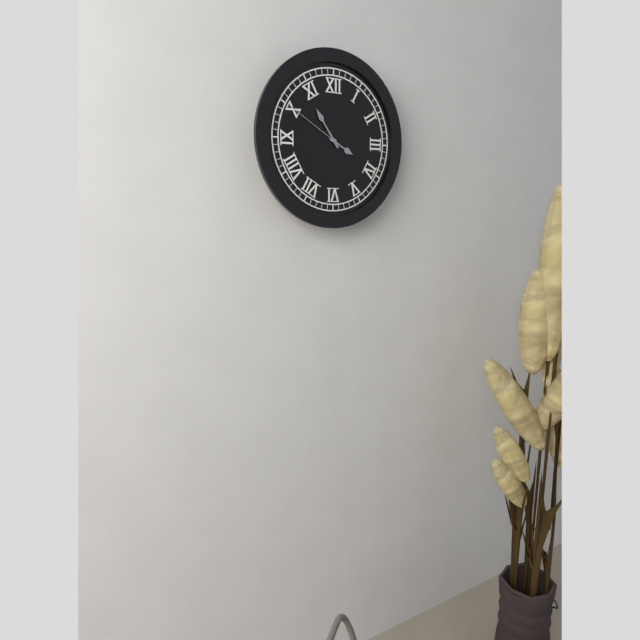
3:54:50
